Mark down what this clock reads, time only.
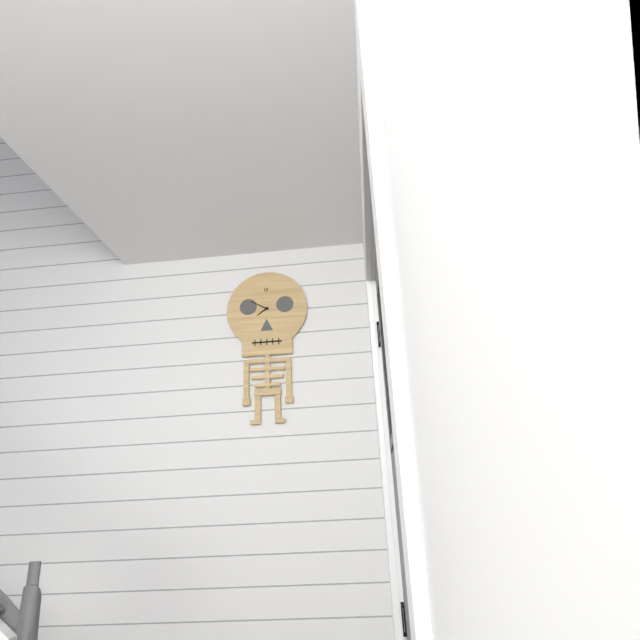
7:50
